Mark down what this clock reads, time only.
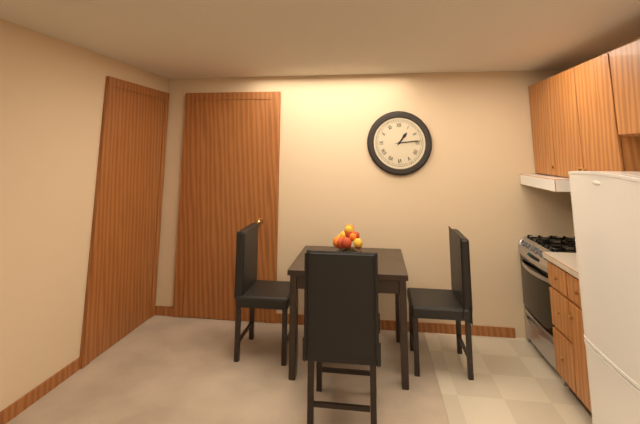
1:14
